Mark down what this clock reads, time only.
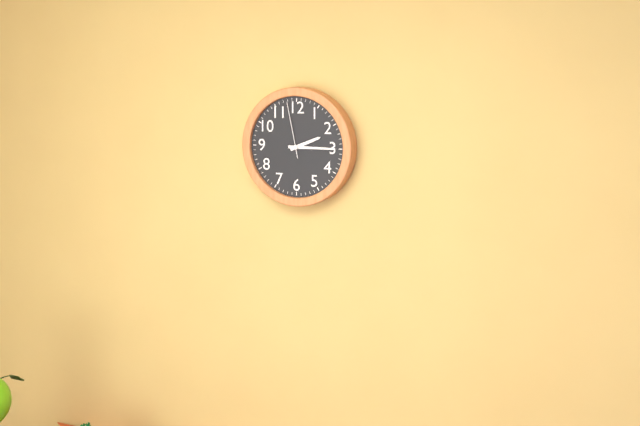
2:15:58
